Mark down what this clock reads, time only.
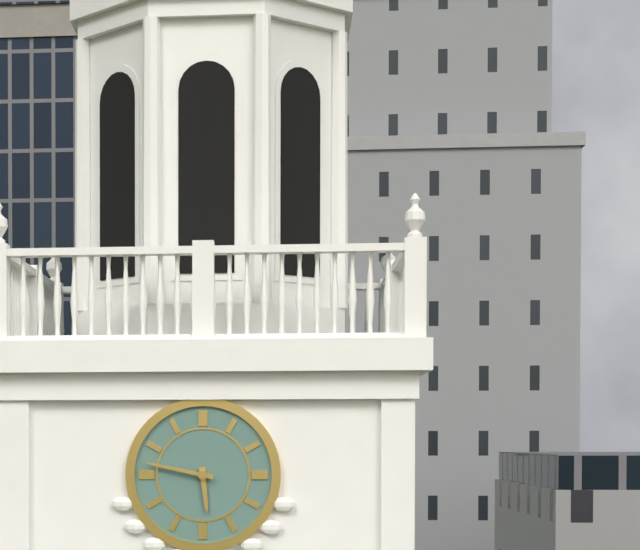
5:47
